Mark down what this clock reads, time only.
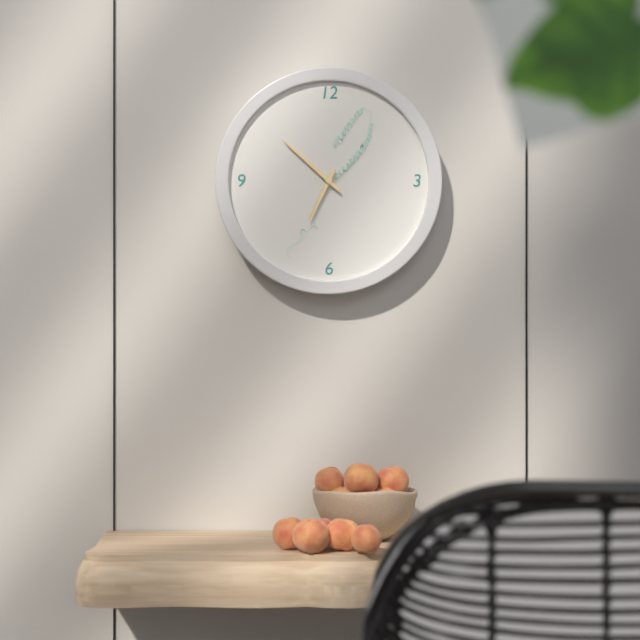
6:52
